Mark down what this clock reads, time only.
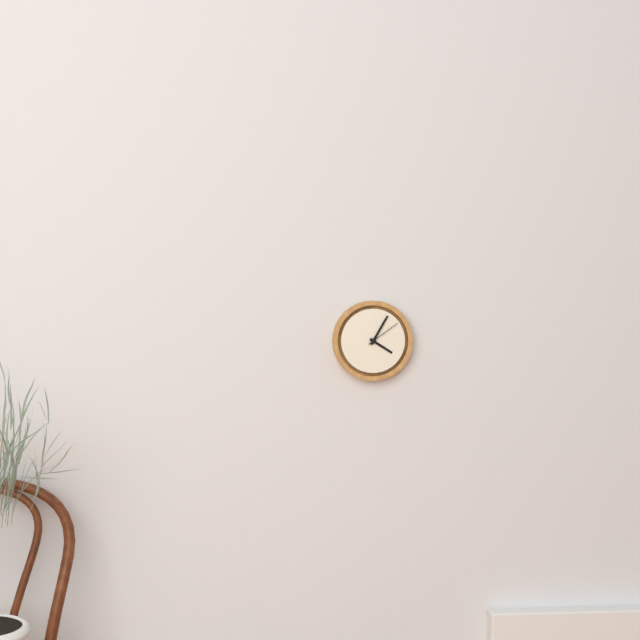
4:05
